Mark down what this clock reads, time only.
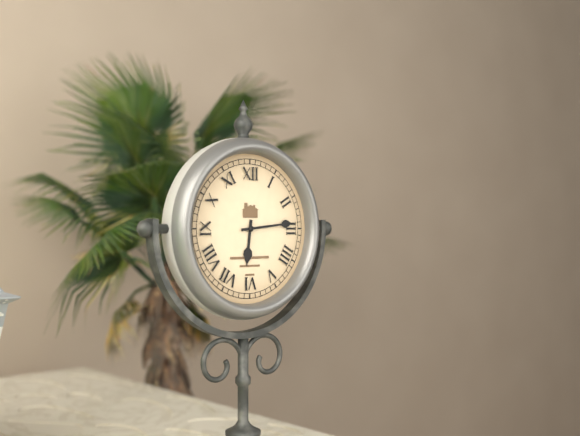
6:14
